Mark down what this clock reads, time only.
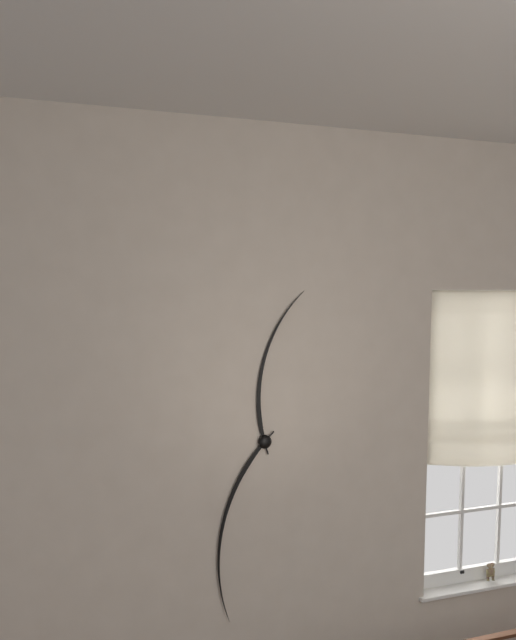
12:32
